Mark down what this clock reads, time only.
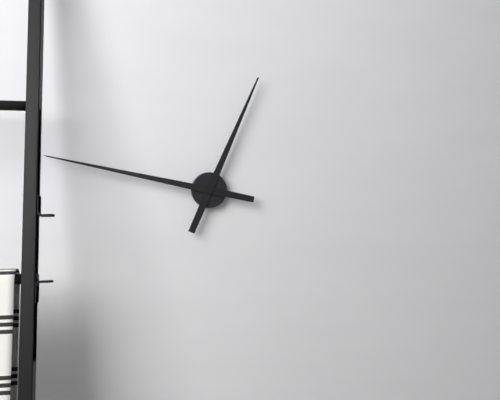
12:47
